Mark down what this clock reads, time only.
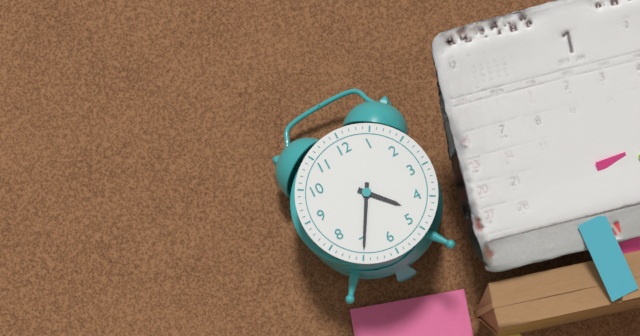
4:35
